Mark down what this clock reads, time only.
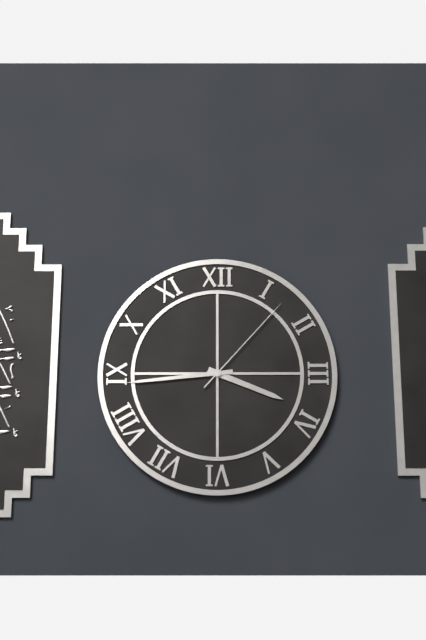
3:44:07
